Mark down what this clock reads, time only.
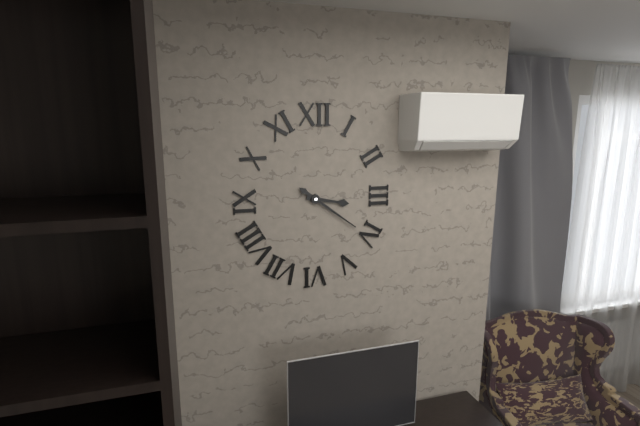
3:21
